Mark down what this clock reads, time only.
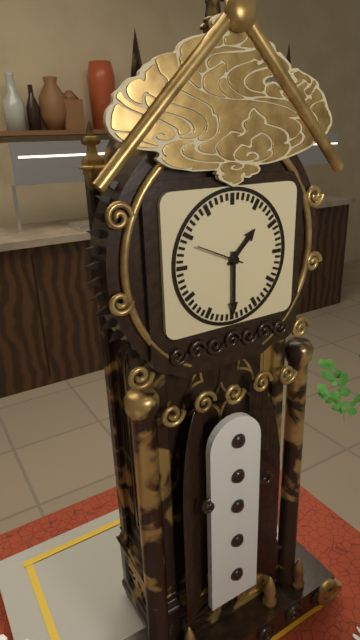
1:30:49
